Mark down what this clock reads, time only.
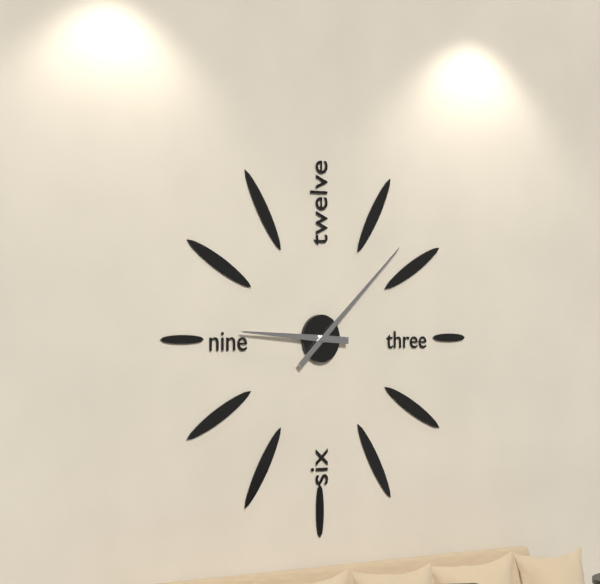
9:08
